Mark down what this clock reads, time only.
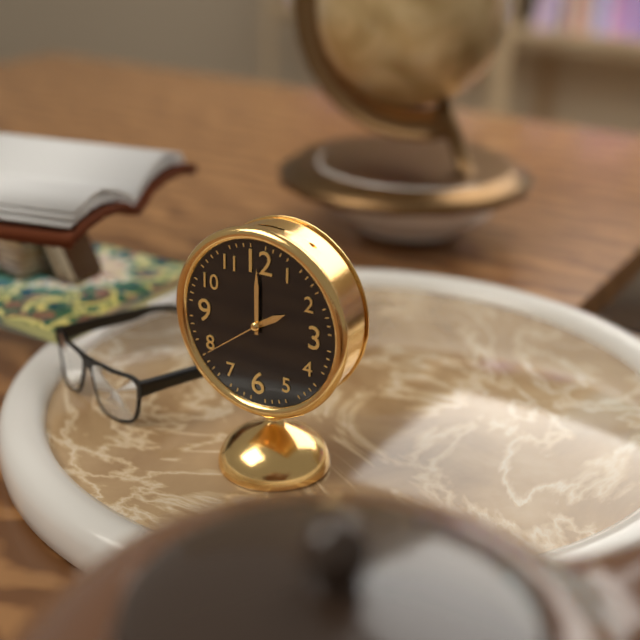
2:00:39
